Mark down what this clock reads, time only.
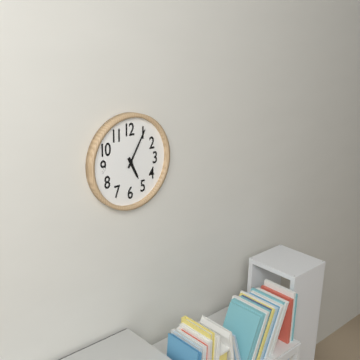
5:05
